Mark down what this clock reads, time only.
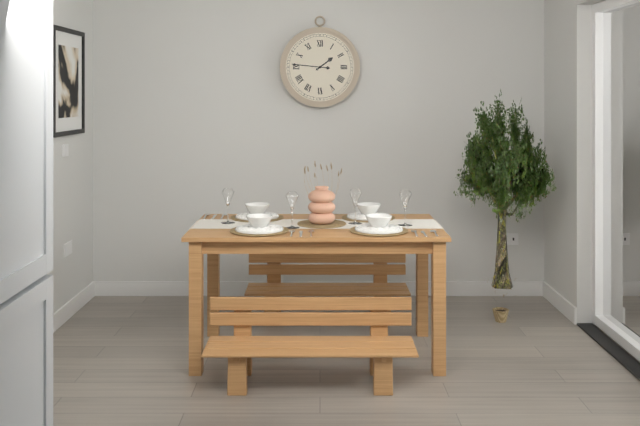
1:46
